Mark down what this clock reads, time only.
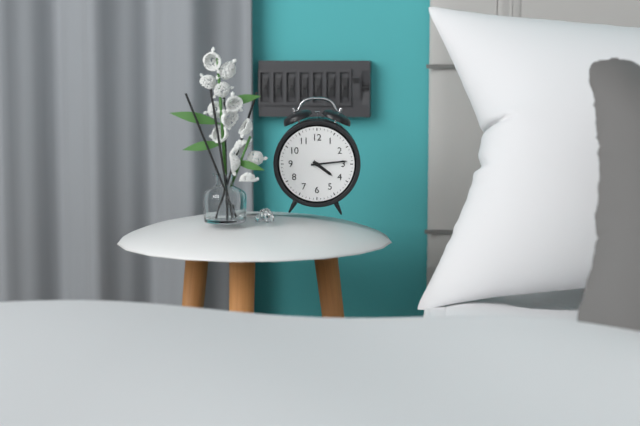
4:14
